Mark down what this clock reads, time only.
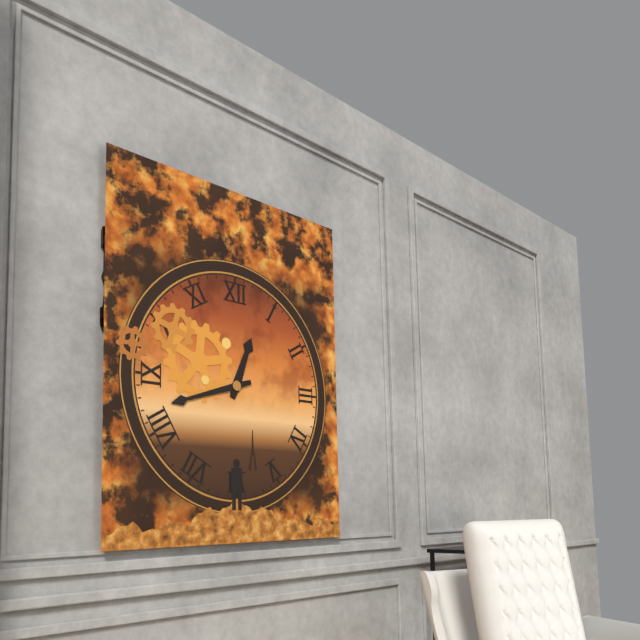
12:42
